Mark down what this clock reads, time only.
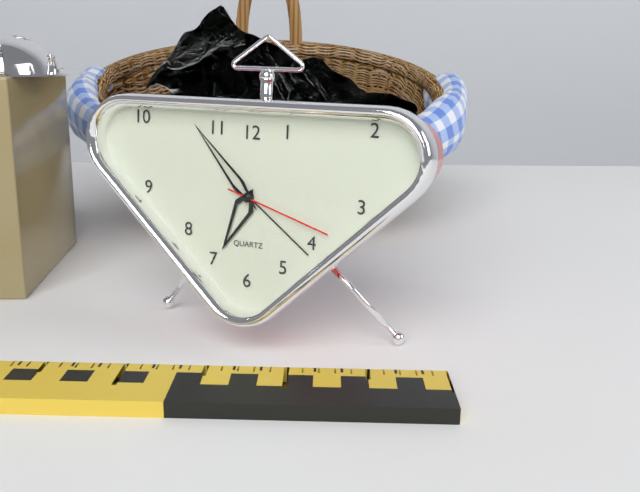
6:53:18
